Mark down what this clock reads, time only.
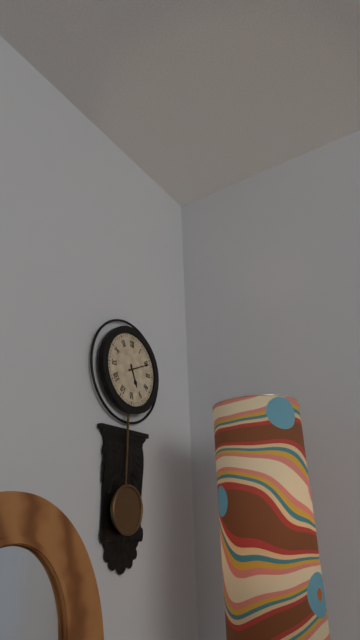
5:11
